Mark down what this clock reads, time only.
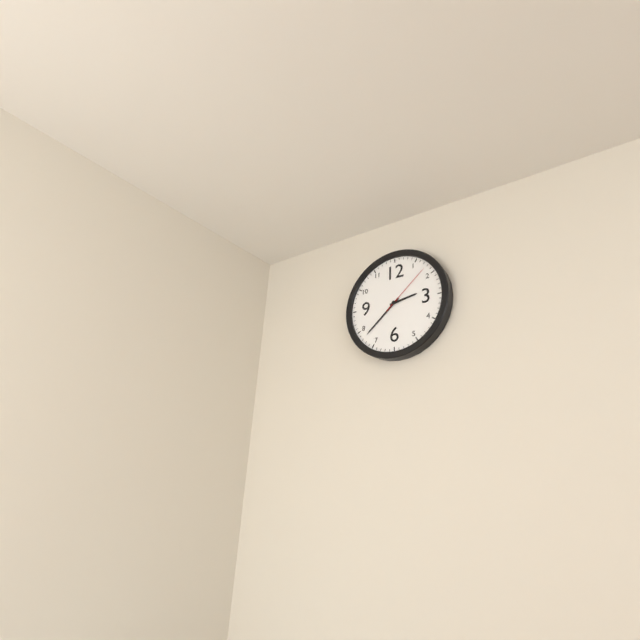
2:38:08
